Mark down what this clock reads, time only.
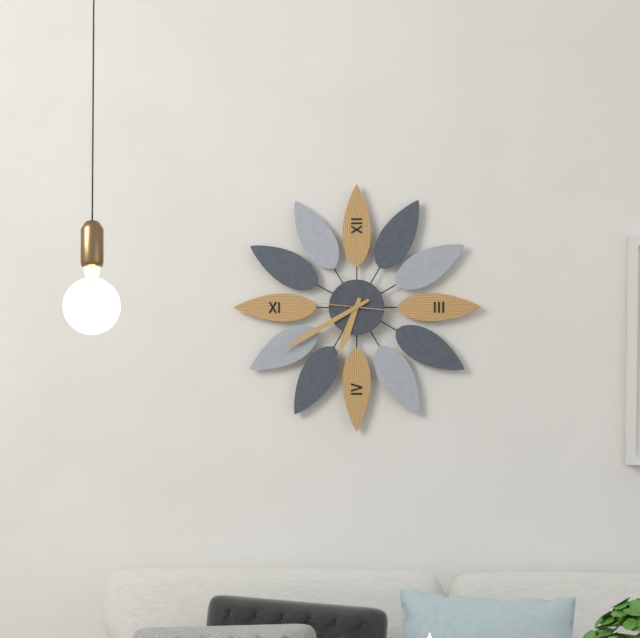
6:40:46
